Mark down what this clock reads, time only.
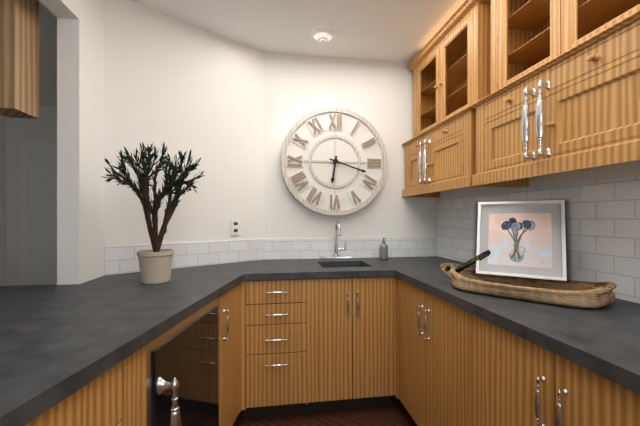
6:18
